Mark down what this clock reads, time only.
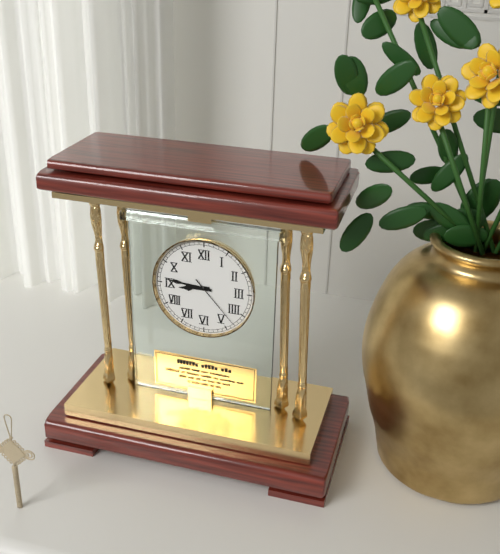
8:46:23
